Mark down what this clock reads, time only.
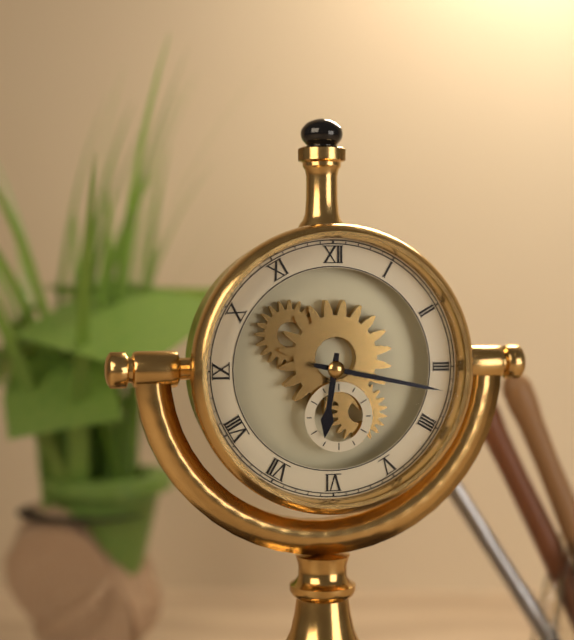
6:17
